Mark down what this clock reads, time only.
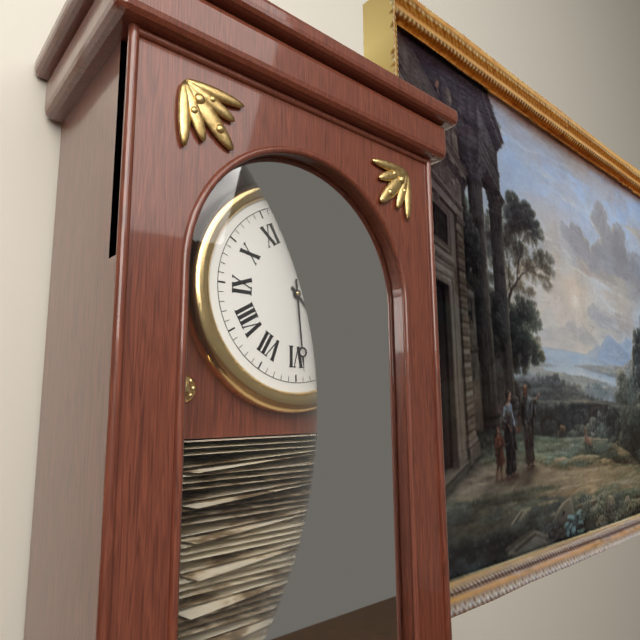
4:29
